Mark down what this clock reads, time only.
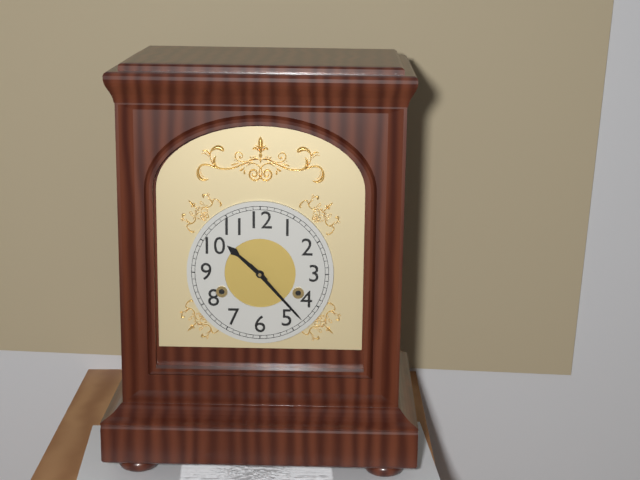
10:23
